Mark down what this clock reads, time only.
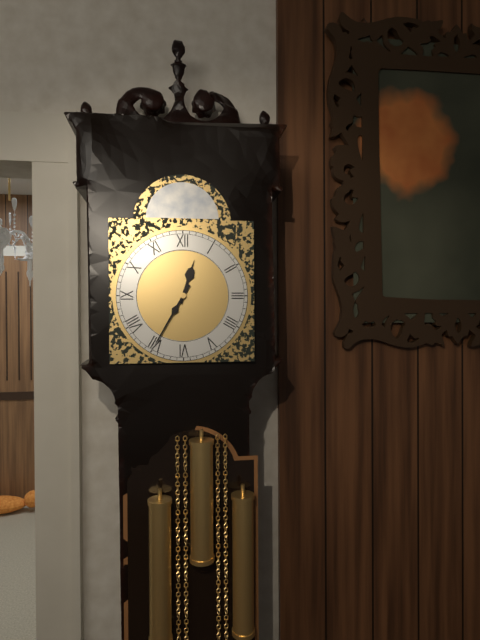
12:35
